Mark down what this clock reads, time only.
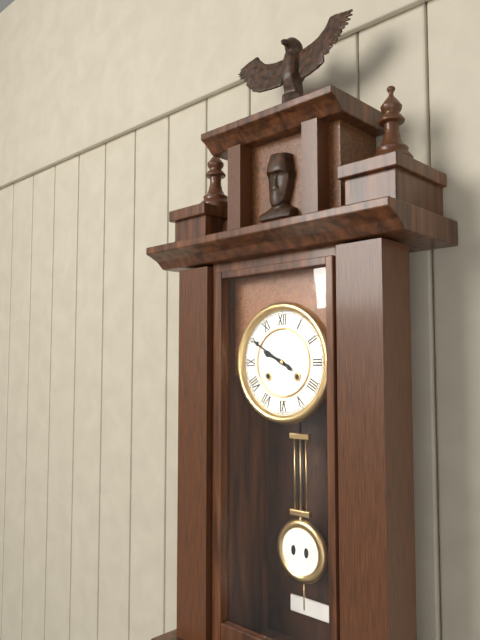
9:50
